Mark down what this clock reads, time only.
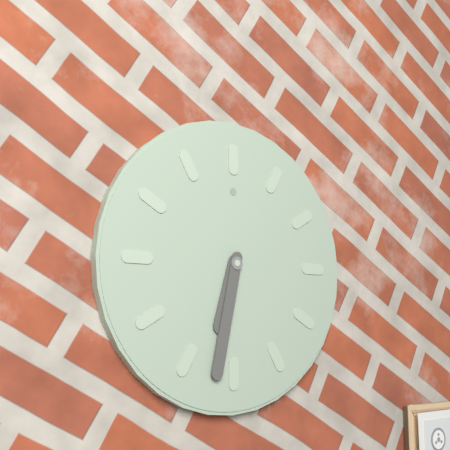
6:32
